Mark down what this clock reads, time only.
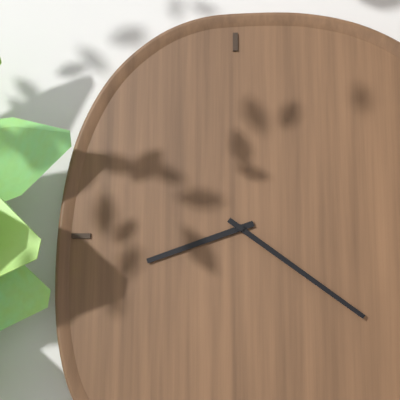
8:21
